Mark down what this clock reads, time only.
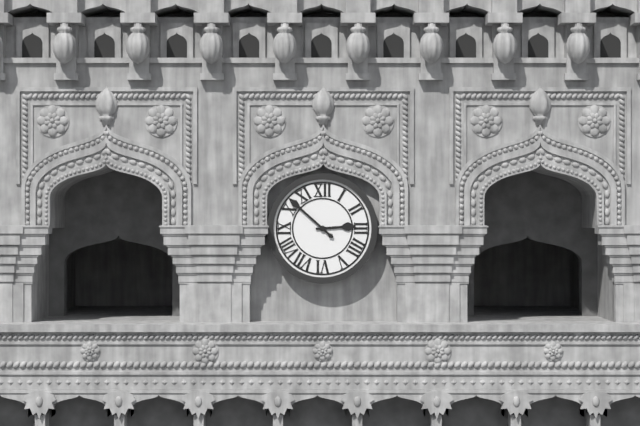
2:52
